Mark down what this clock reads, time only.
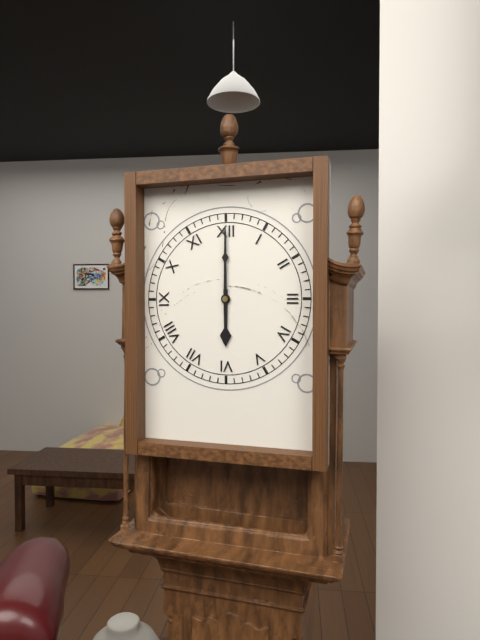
6:00
